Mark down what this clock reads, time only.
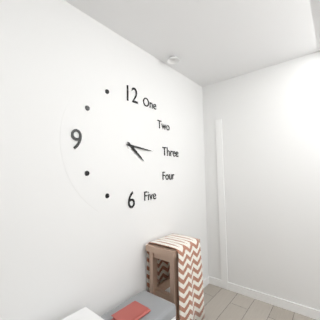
4:16
